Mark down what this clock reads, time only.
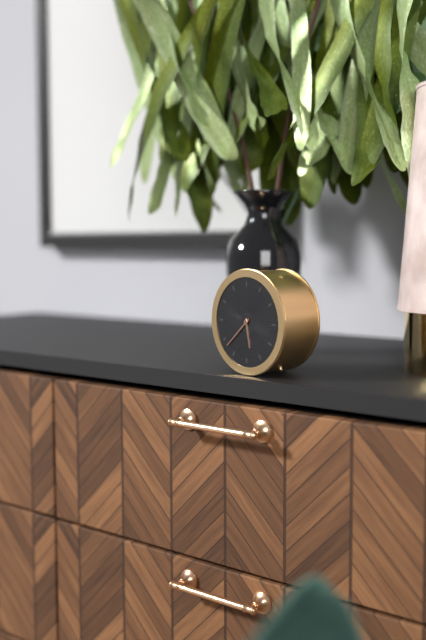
5:38
